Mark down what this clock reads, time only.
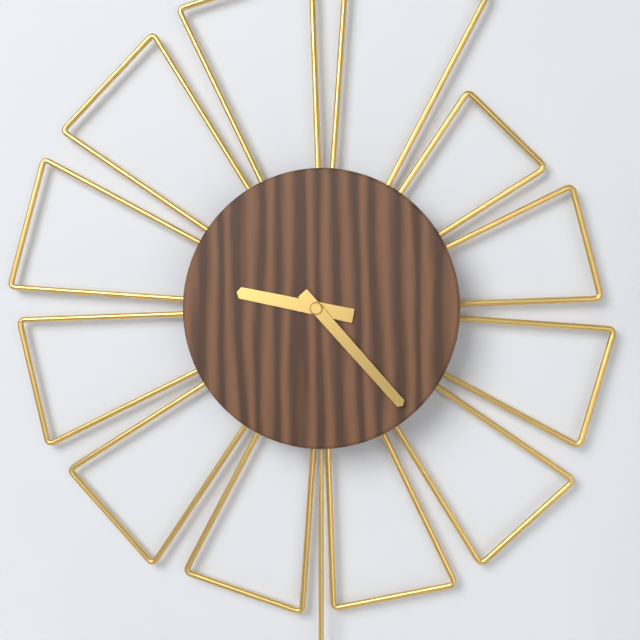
9:23
